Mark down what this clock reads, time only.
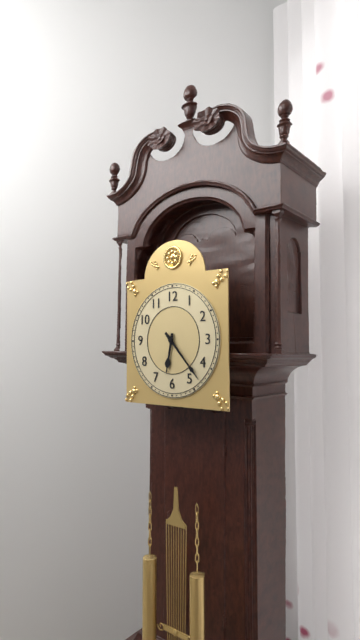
6:23
